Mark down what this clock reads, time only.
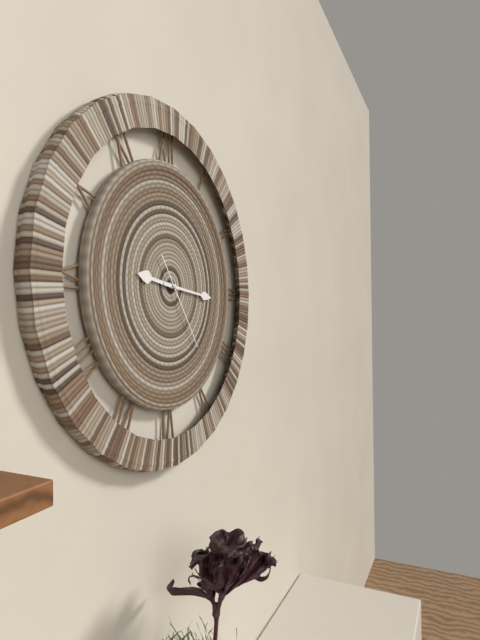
9:16:24
